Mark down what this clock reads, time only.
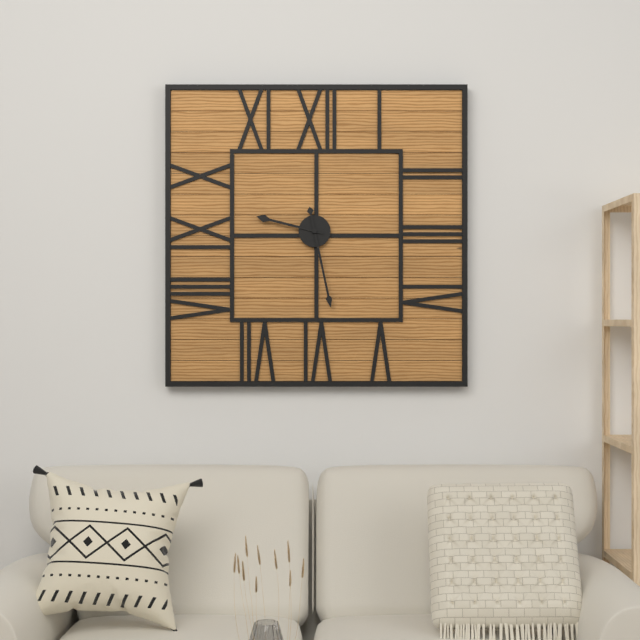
9:28
